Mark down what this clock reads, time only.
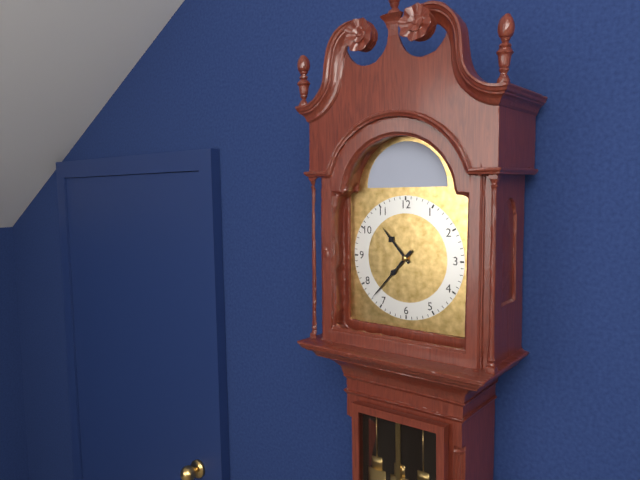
10:37
